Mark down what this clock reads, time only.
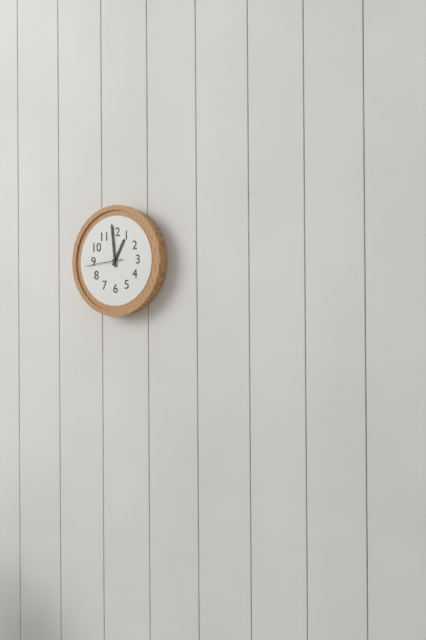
12:59
